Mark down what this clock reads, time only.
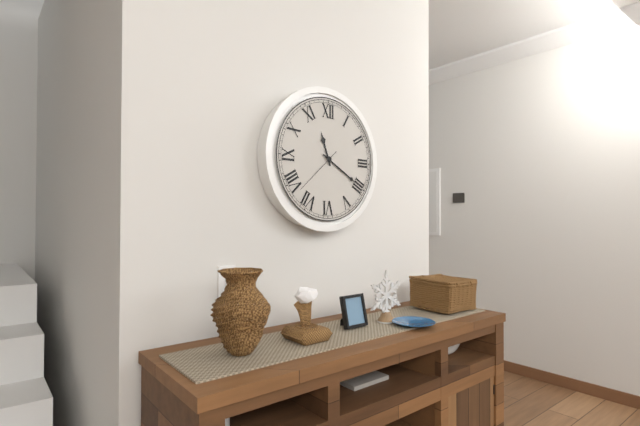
11:20:38
